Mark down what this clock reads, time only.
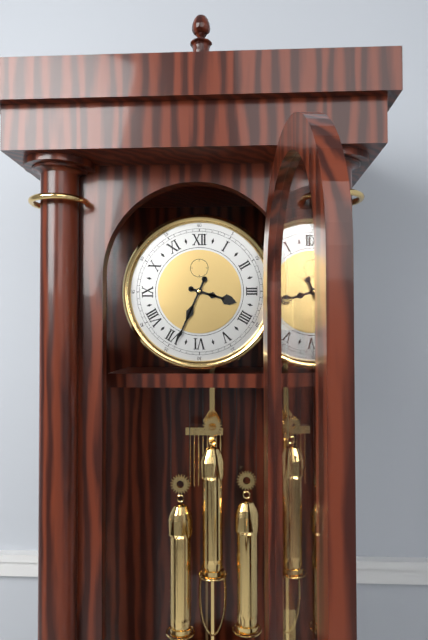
3:34
